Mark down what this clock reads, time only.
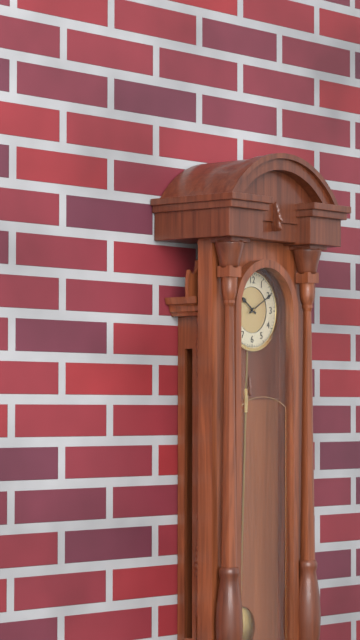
10:10
